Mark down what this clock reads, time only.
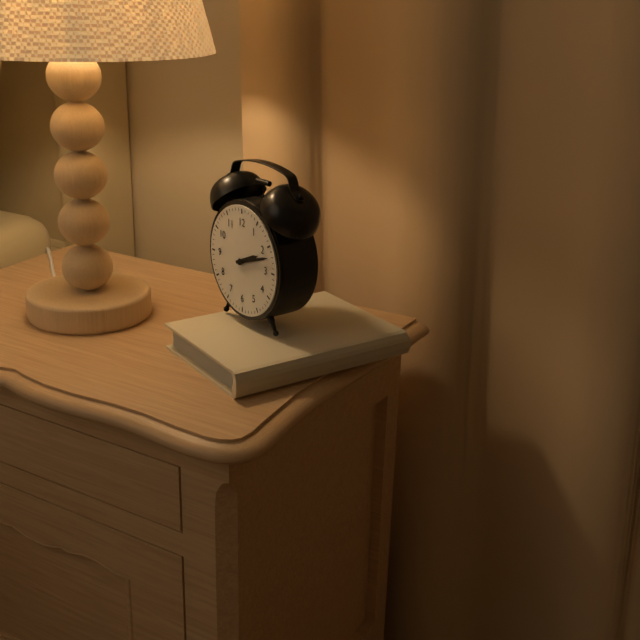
2:12
